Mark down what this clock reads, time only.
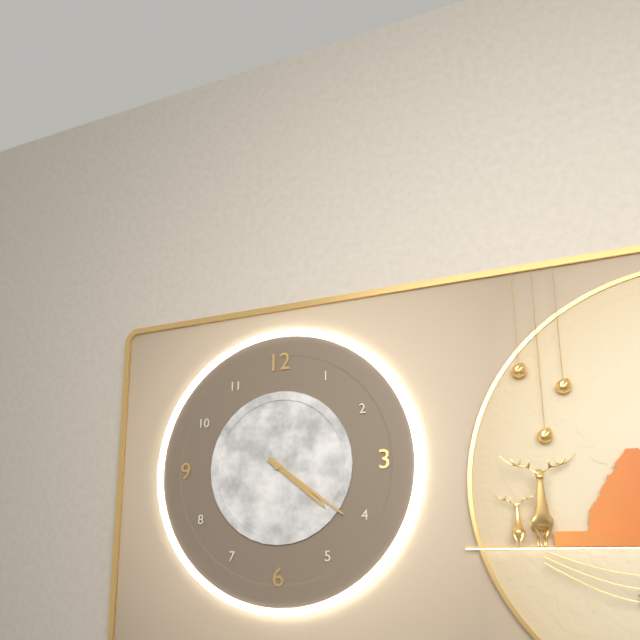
4:21
